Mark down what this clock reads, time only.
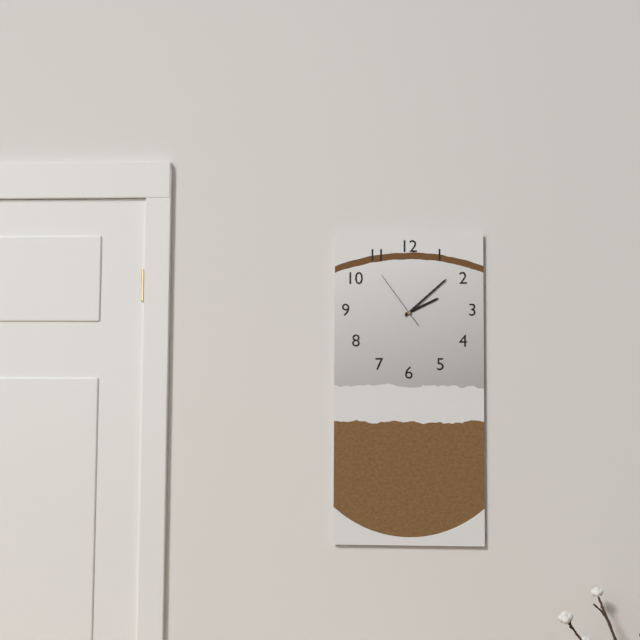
2:08:54
